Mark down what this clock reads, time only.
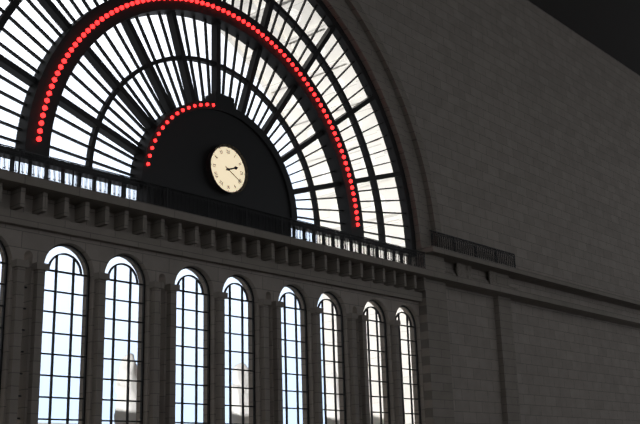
2:20
